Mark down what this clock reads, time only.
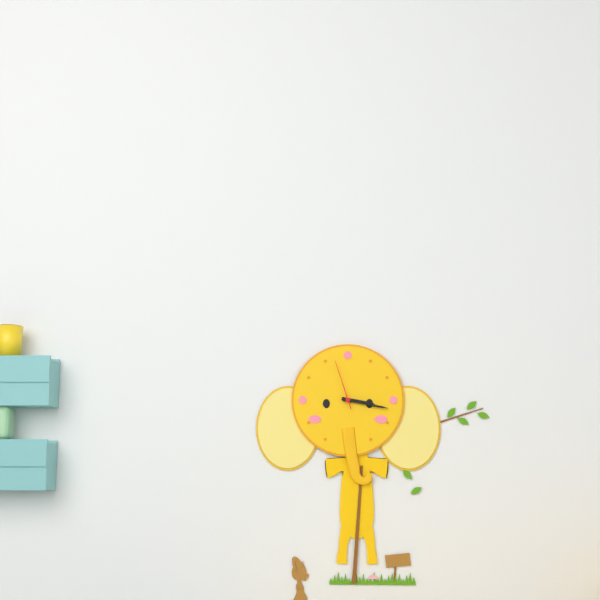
3:17:57
